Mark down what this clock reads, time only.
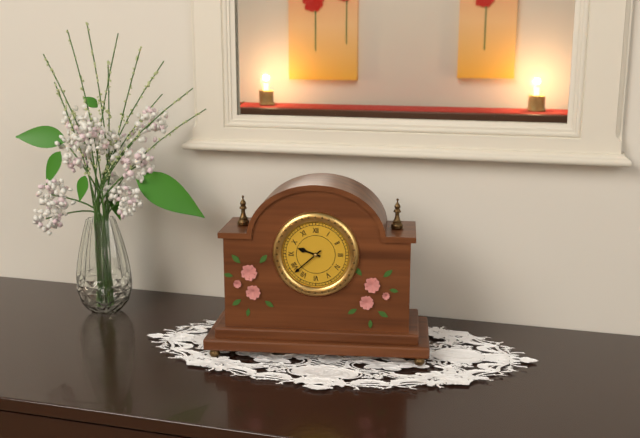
9:38
